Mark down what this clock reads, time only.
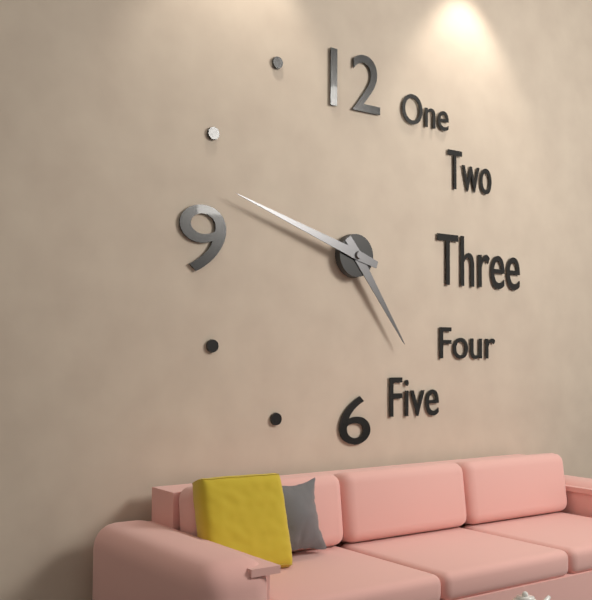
4:48
